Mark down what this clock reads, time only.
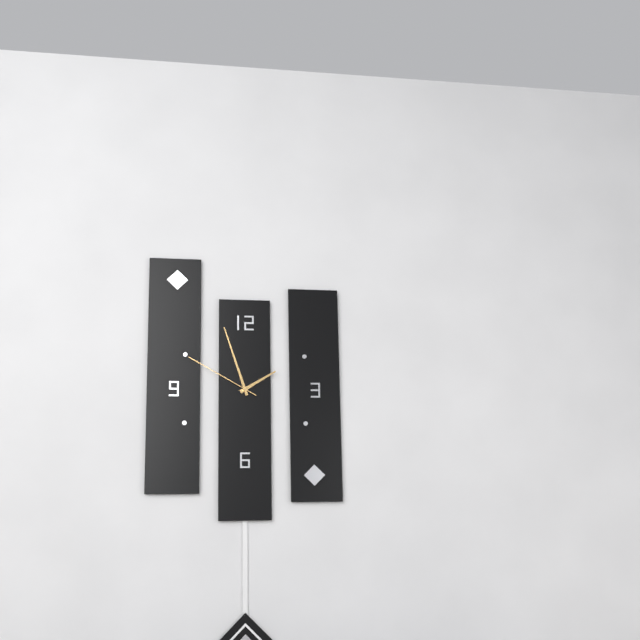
1:57:50
